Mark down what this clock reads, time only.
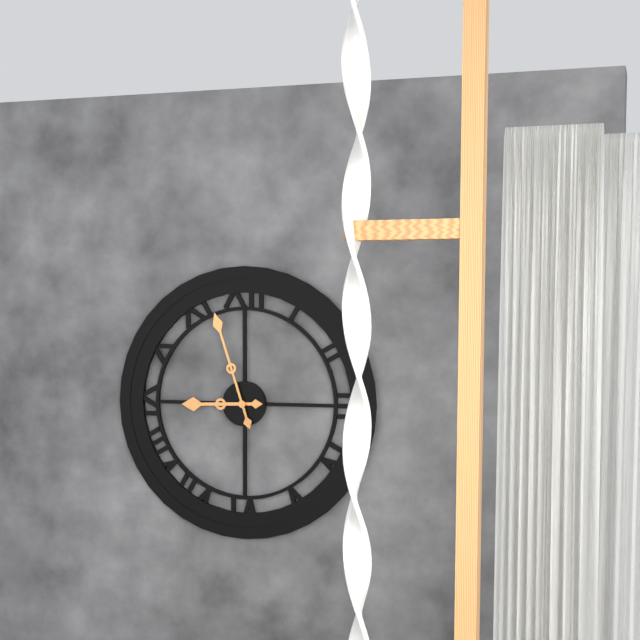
8:57
